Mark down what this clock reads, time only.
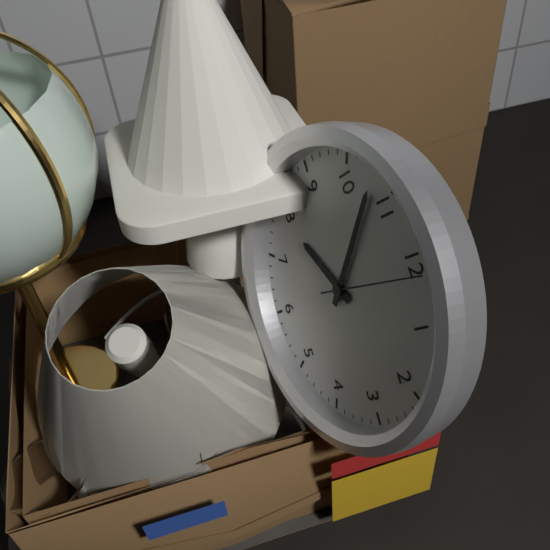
7:53:01
